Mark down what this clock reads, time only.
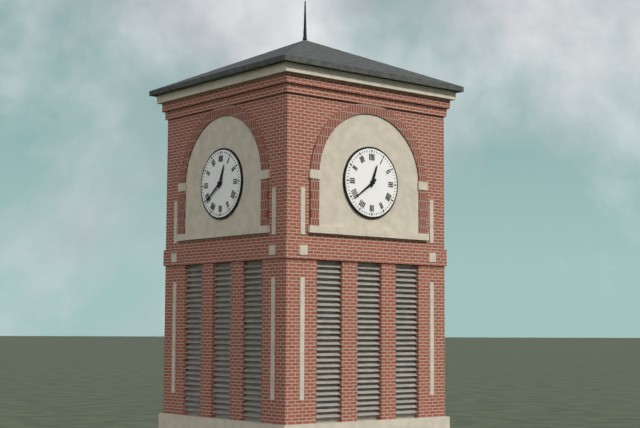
12:39
